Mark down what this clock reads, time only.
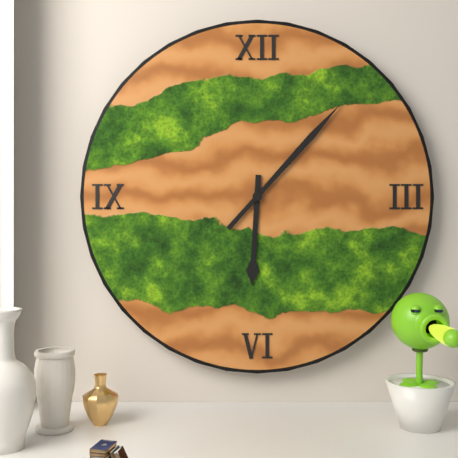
6:07
